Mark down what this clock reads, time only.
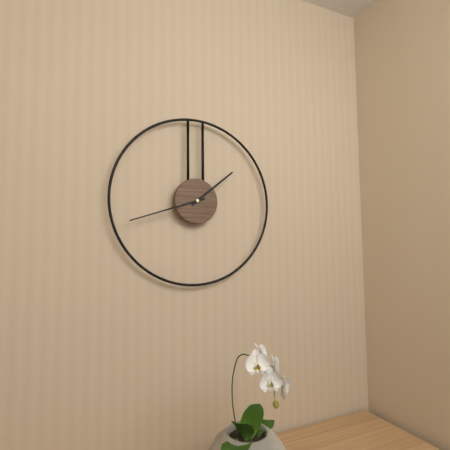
1:42
